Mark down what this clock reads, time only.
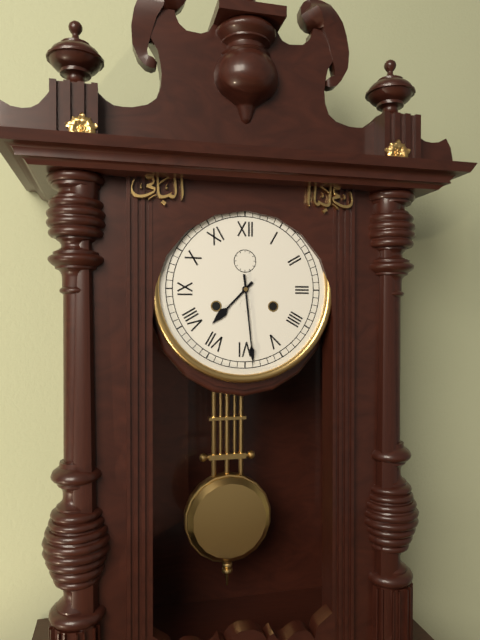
7:29
